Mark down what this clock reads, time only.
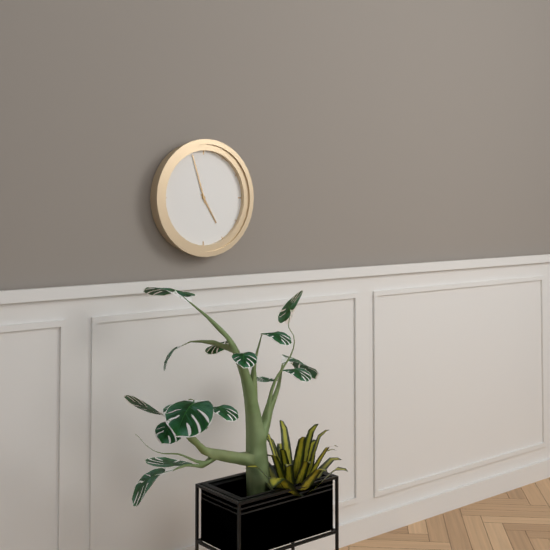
4:57
